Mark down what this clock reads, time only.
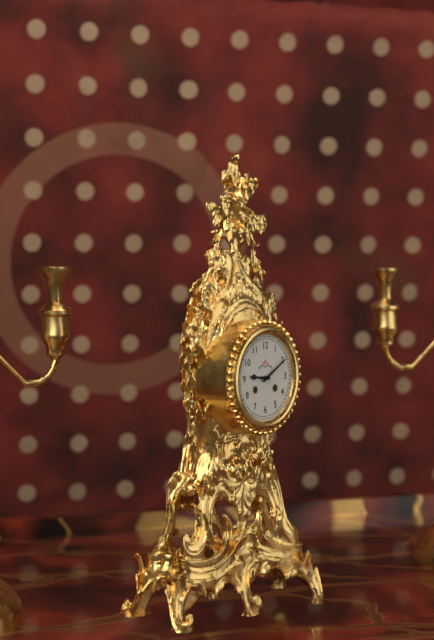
9:10
